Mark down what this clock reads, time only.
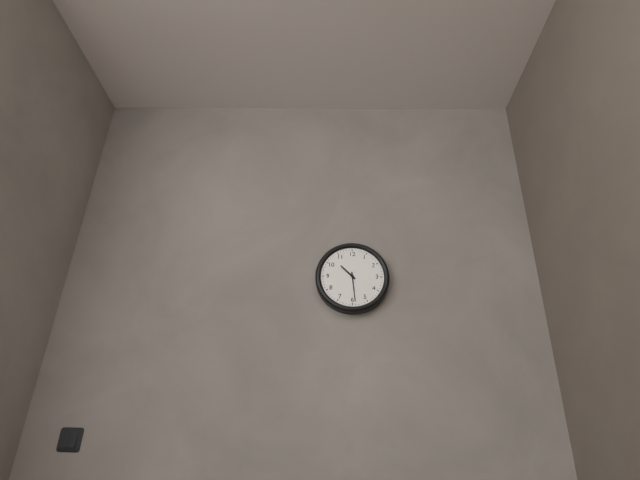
10:29
